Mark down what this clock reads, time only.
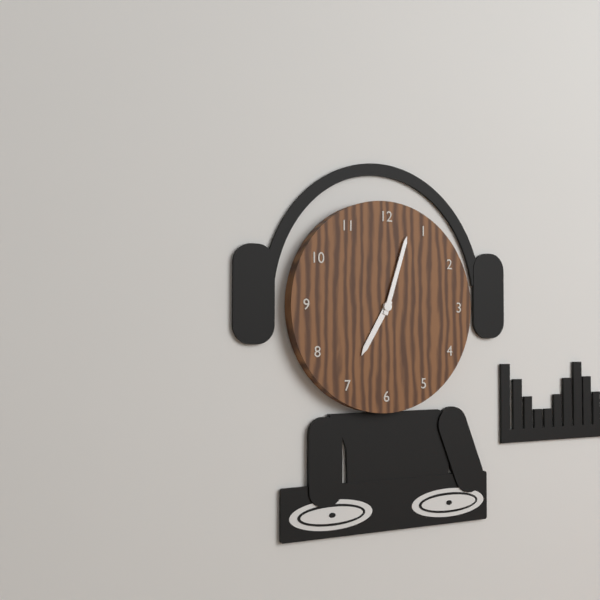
7:03
